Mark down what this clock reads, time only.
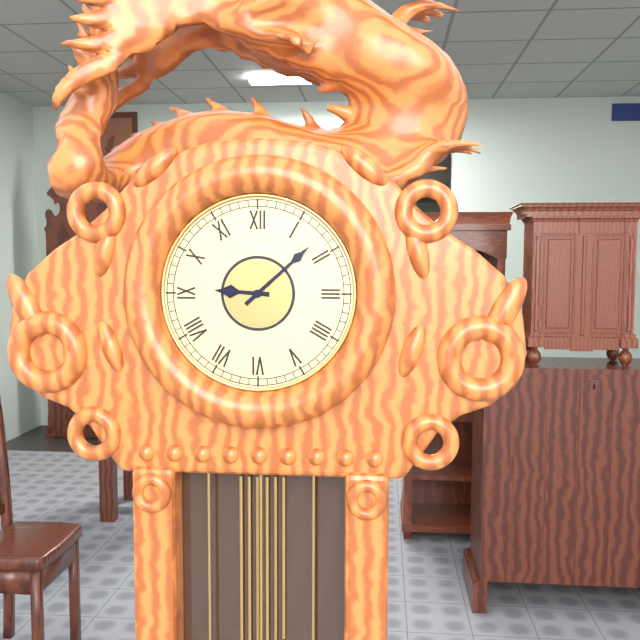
9:08
